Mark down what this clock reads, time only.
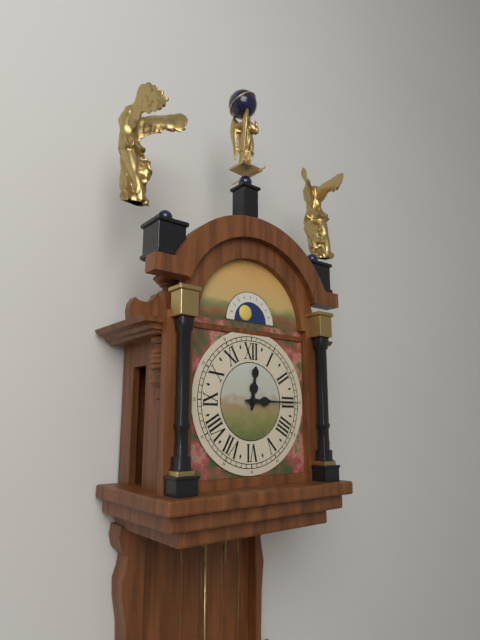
12:15
